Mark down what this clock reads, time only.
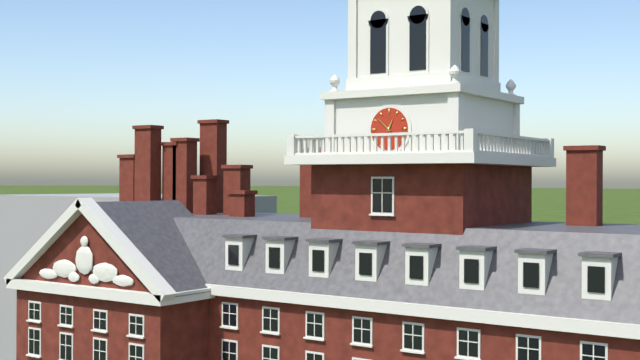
12:52
